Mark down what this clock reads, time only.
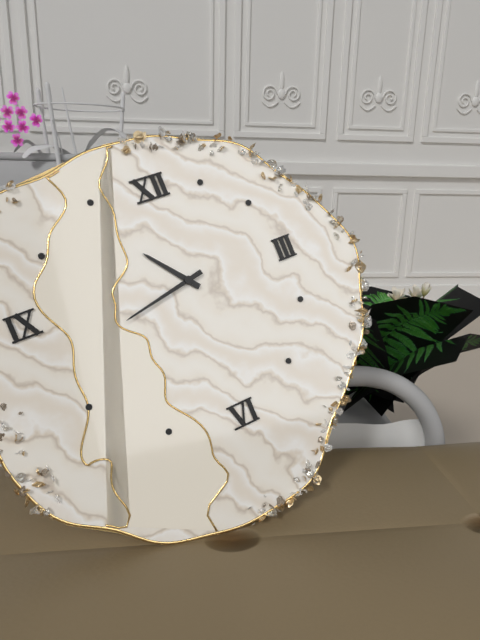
10:43
